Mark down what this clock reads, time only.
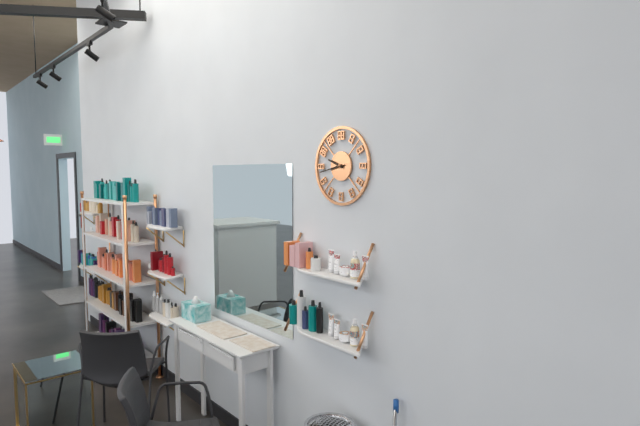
9:43
